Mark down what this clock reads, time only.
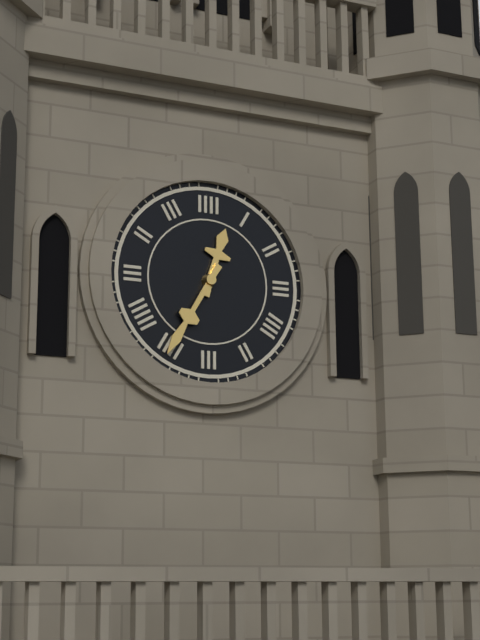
12:35
